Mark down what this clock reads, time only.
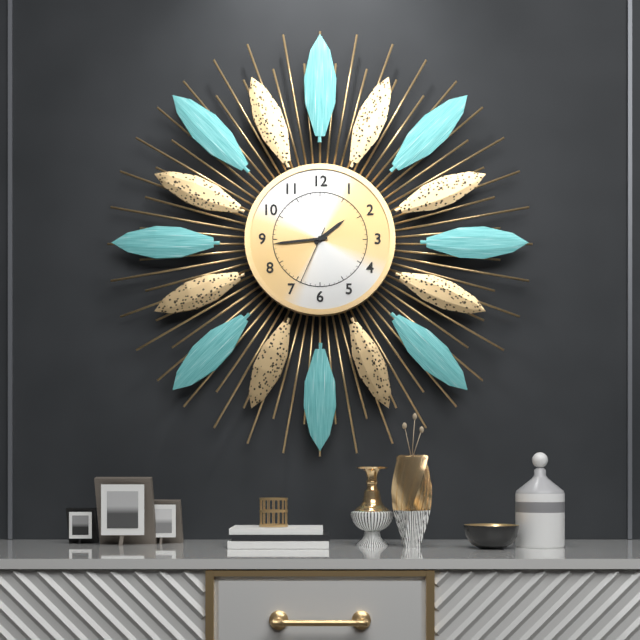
1:44:34
